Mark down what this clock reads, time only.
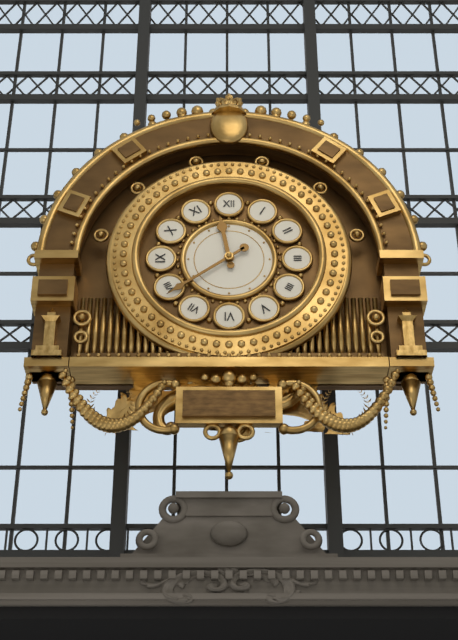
11:39
